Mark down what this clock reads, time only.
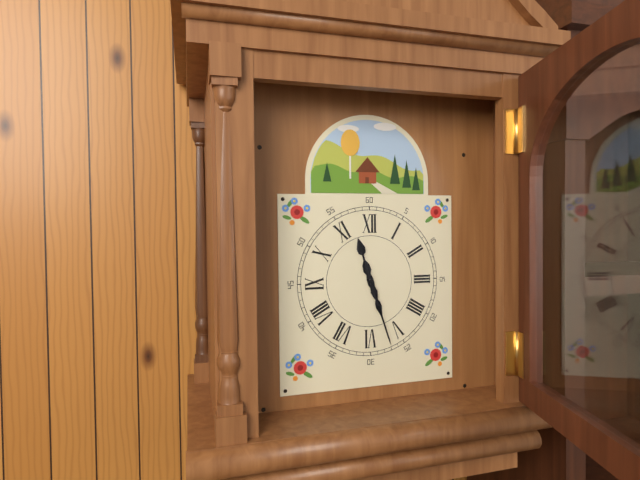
11:27
